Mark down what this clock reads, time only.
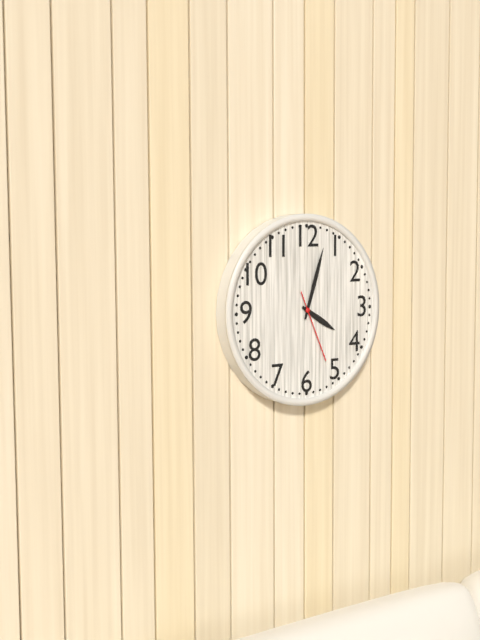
4:03:26
